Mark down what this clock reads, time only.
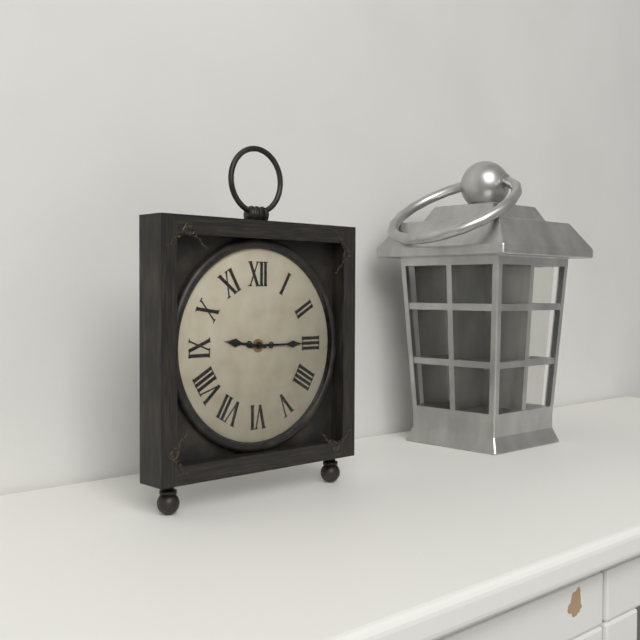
9:15
